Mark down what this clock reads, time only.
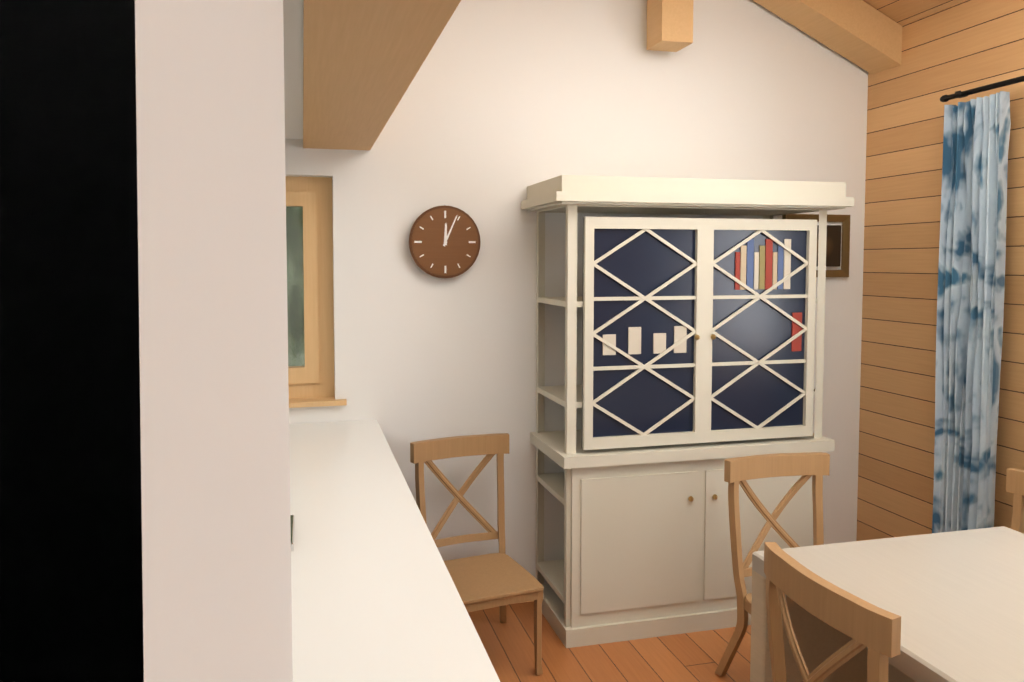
12:04
